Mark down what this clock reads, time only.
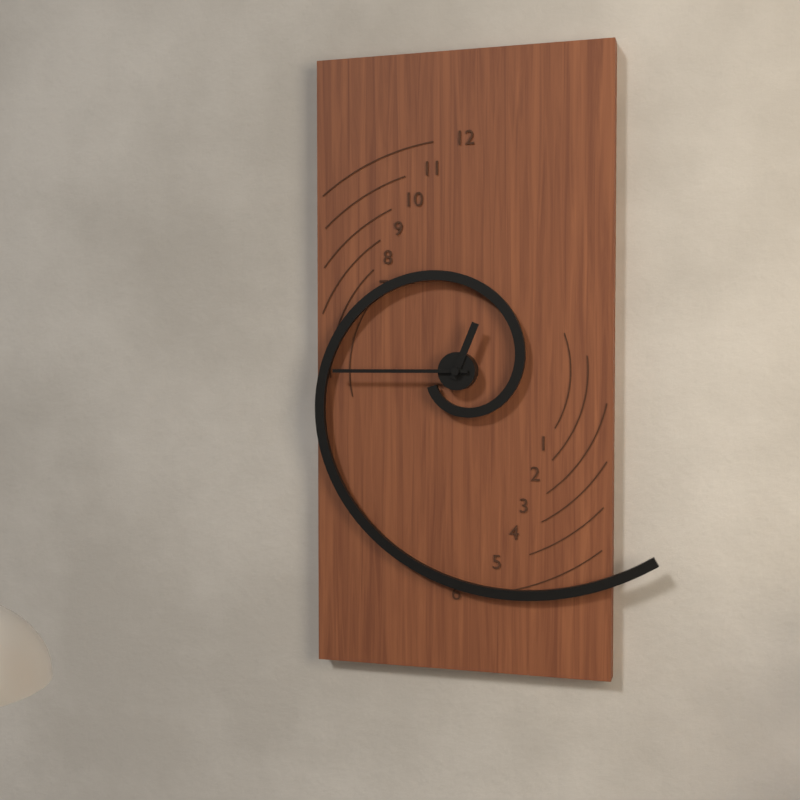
12:45
